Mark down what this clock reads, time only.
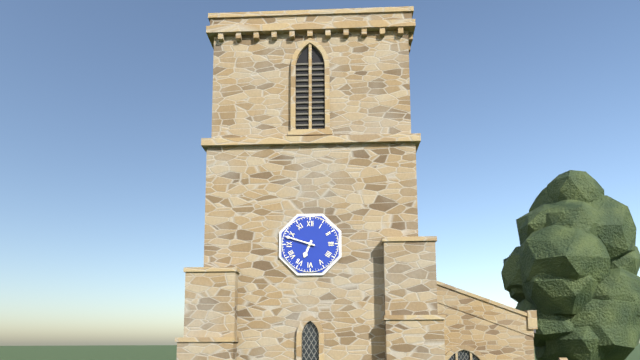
6:48
